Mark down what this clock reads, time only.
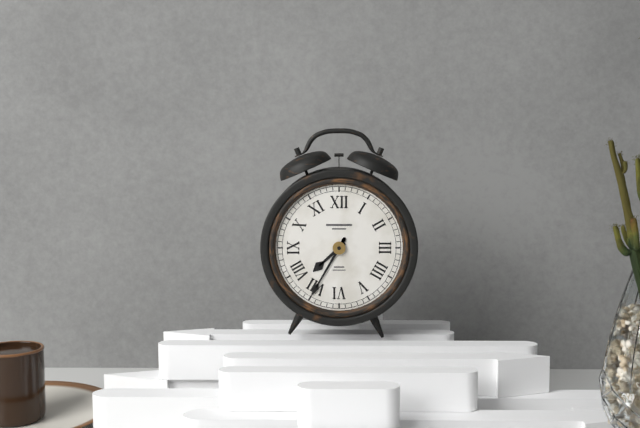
7:35
